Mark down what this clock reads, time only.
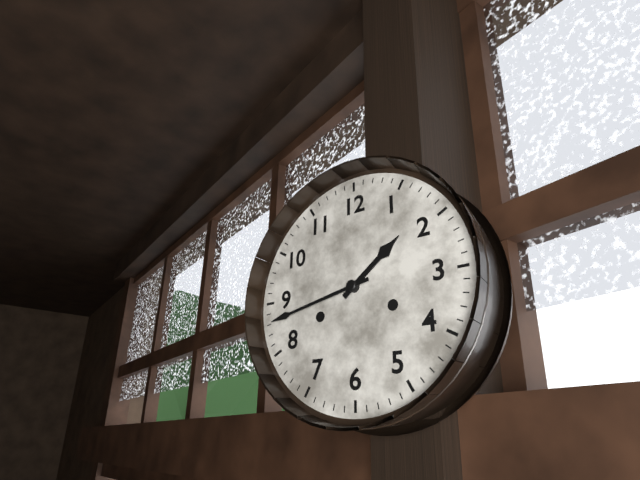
1:43
